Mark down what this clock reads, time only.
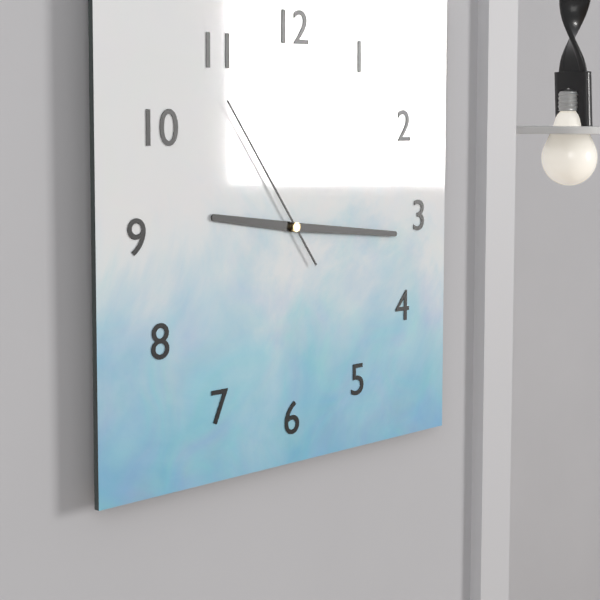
9:16:54
